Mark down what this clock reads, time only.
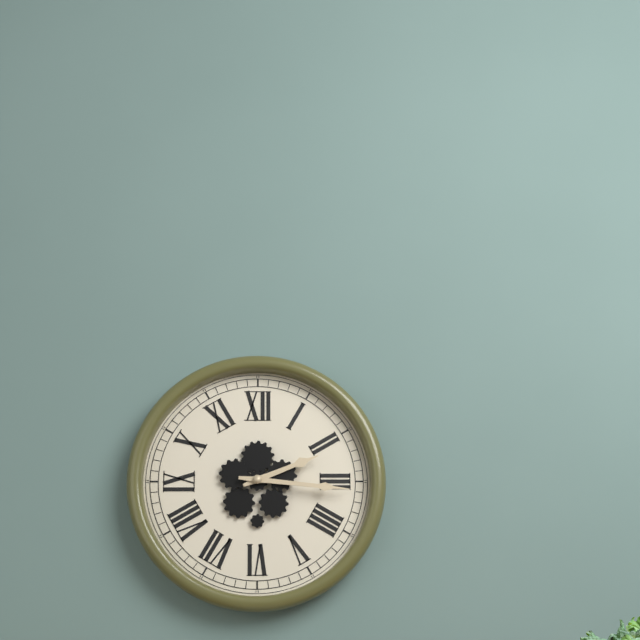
2:16
